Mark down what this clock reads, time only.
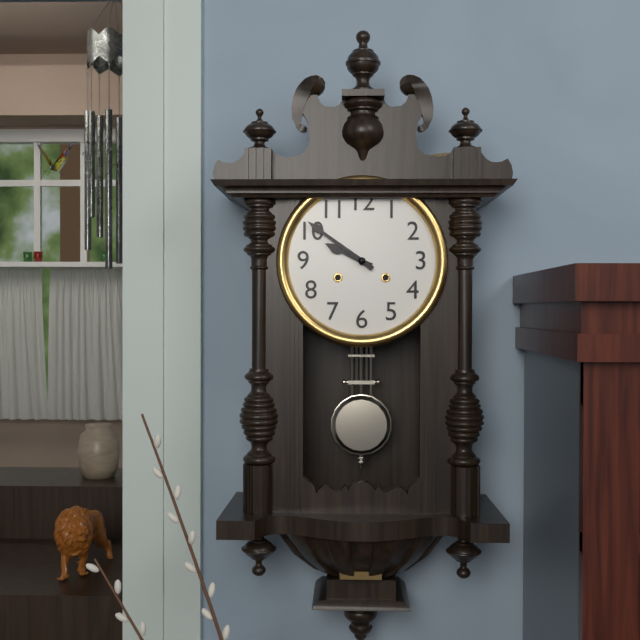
9:51
